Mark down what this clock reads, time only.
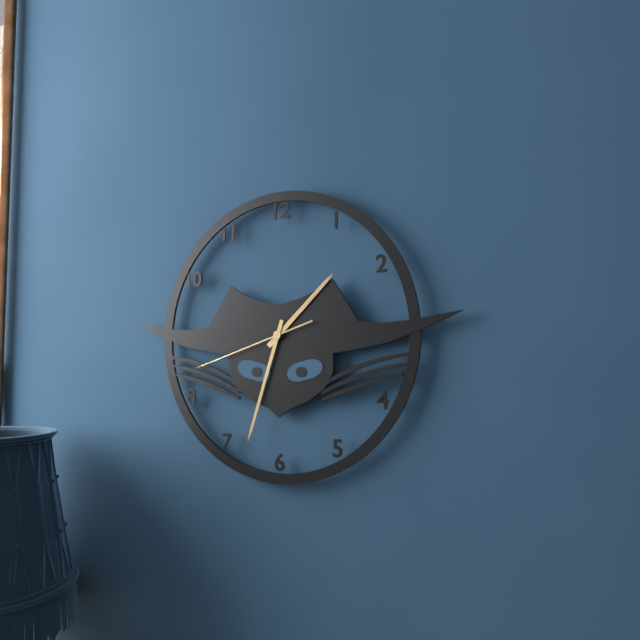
1:33:42
